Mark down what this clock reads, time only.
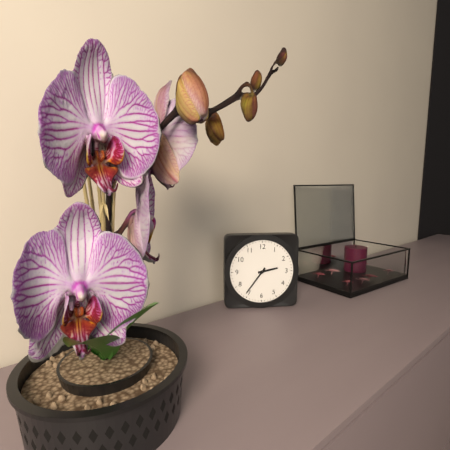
2:36
